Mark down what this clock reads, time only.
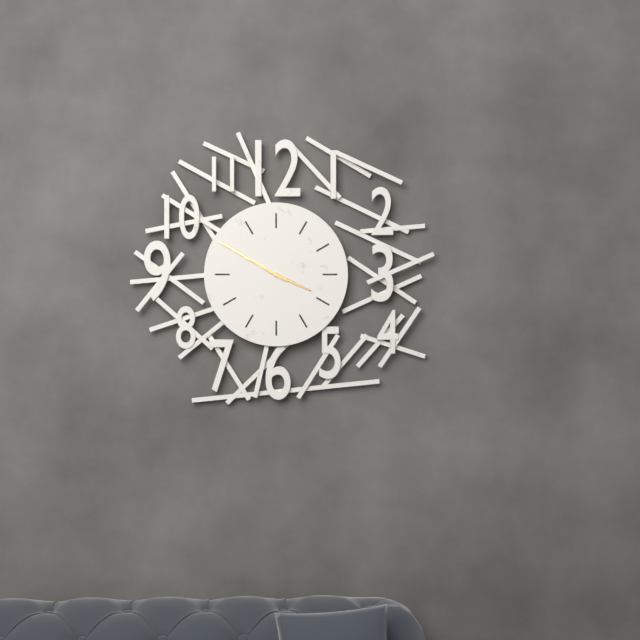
3:50
